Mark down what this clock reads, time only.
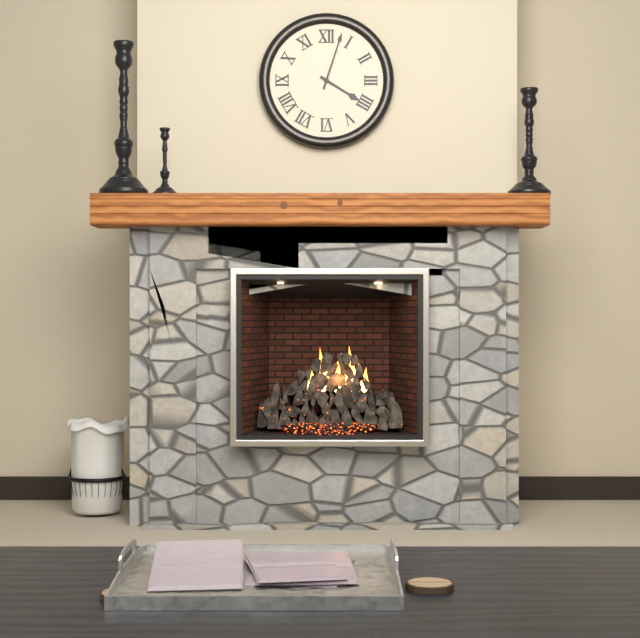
4:03
